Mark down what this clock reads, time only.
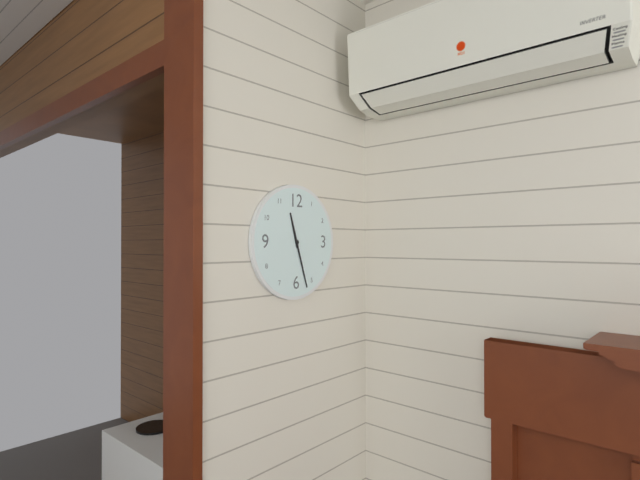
11:27
